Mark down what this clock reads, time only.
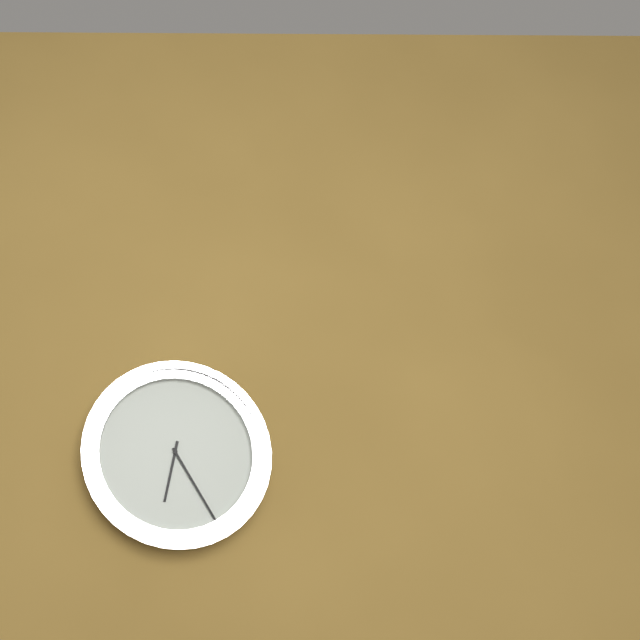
6:25
